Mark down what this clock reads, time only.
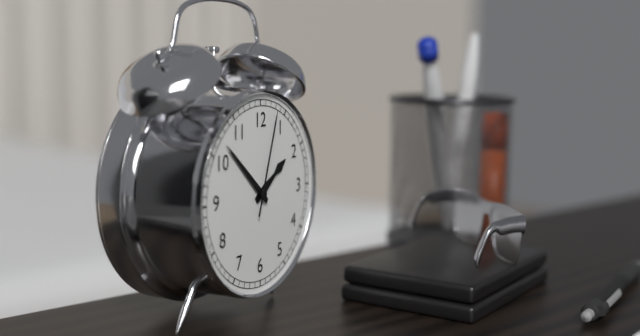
1:52:03
